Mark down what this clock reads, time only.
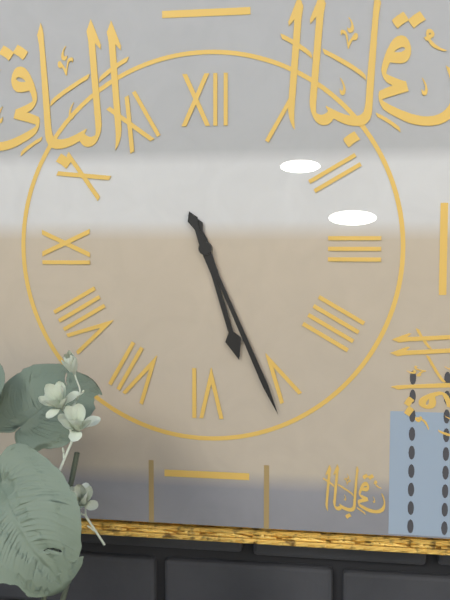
5:26
